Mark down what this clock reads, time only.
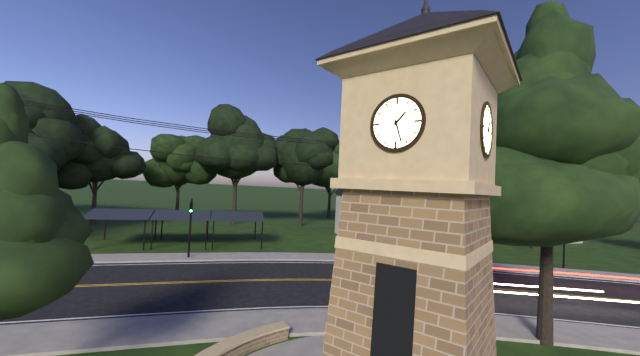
1:27
